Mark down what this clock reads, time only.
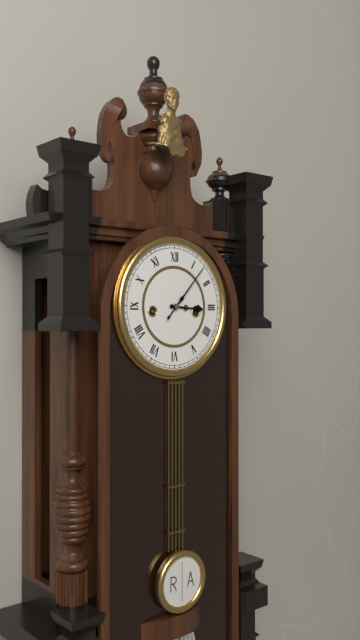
3:07
